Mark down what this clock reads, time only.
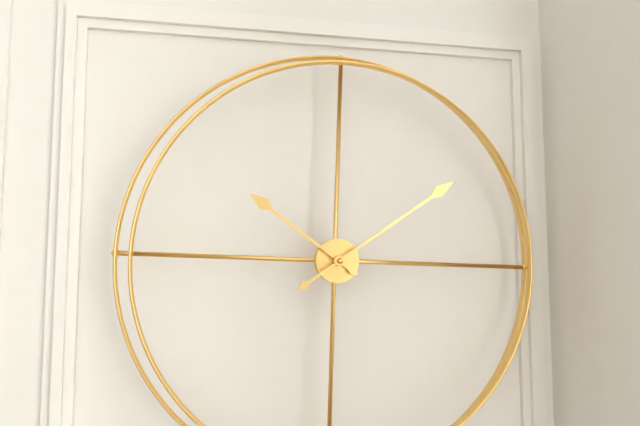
10:09
